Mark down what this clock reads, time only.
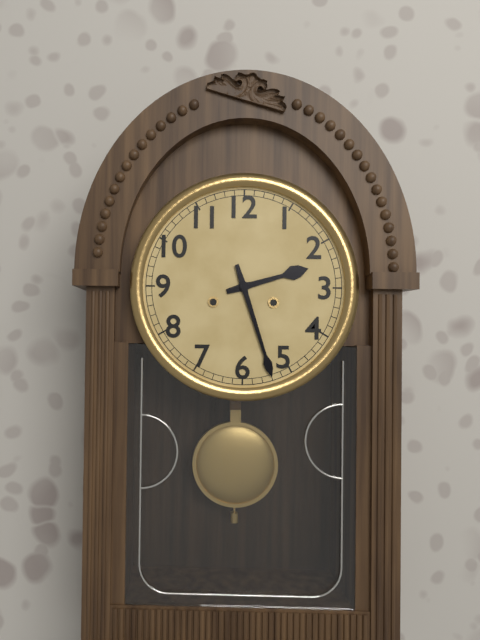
2:27
